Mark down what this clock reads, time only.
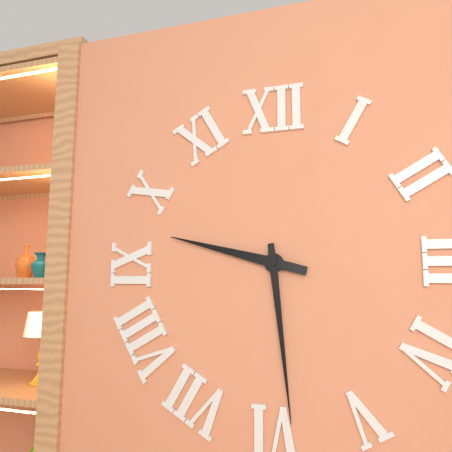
9:29
